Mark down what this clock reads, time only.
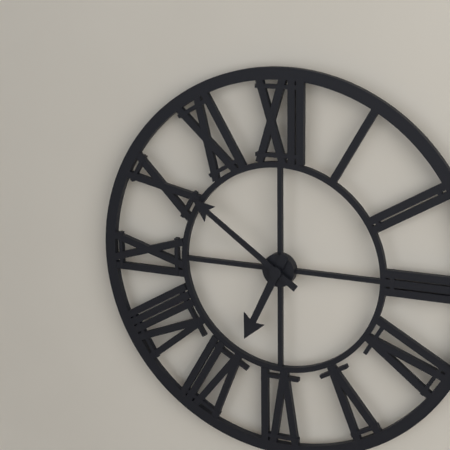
6:51
